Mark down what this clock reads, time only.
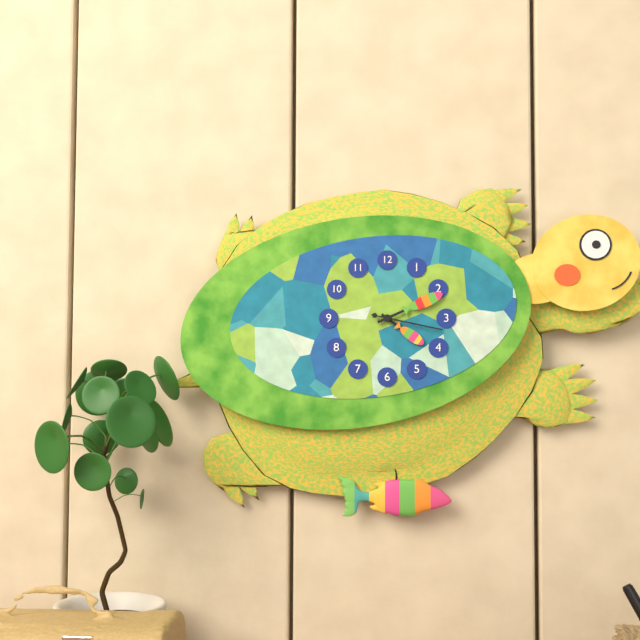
4:11:17
